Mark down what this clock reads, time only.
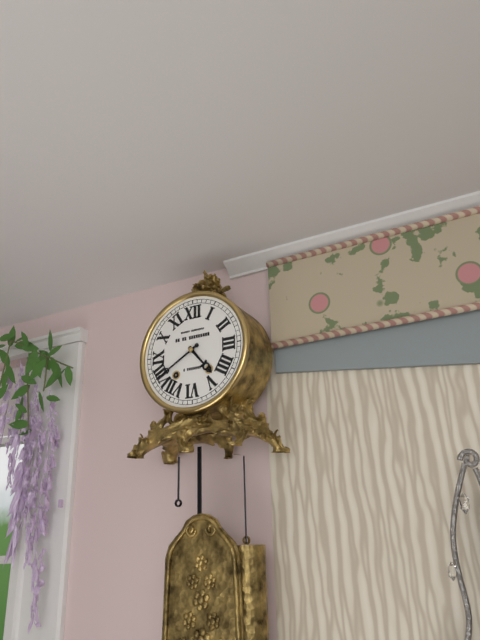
4:40
